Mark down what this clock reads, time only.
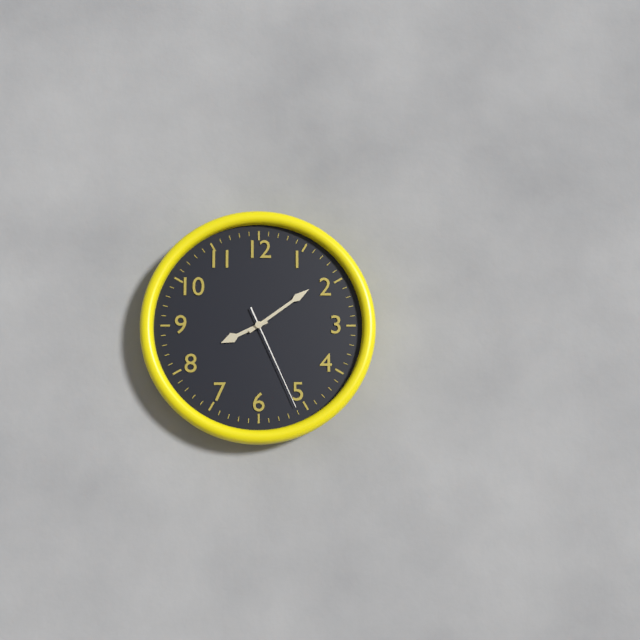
8:09:26
